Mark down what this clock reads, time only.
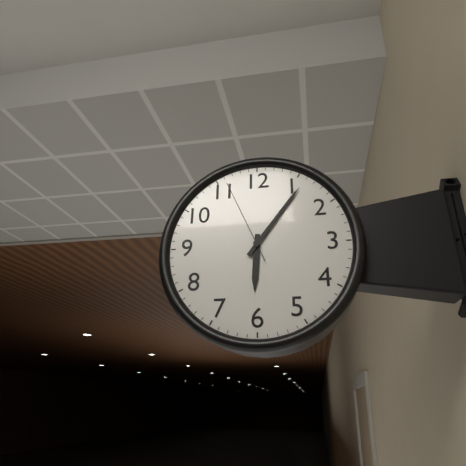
6:06:56
